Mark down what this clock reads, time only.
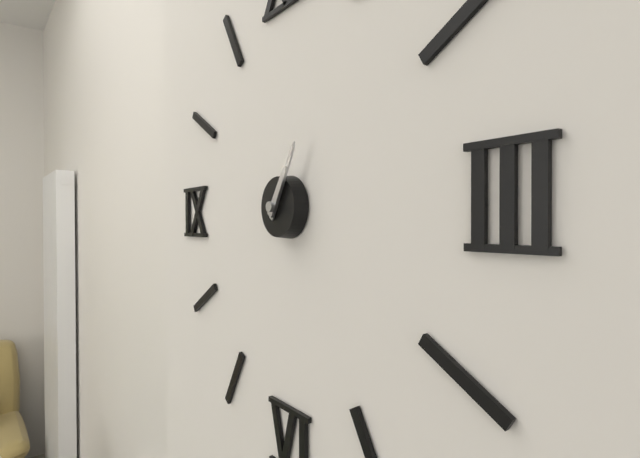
1:05
